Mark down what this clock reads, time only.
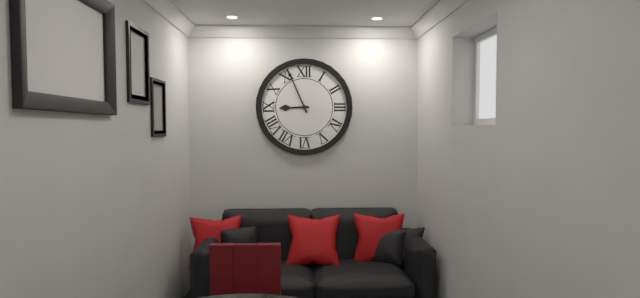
8:56
